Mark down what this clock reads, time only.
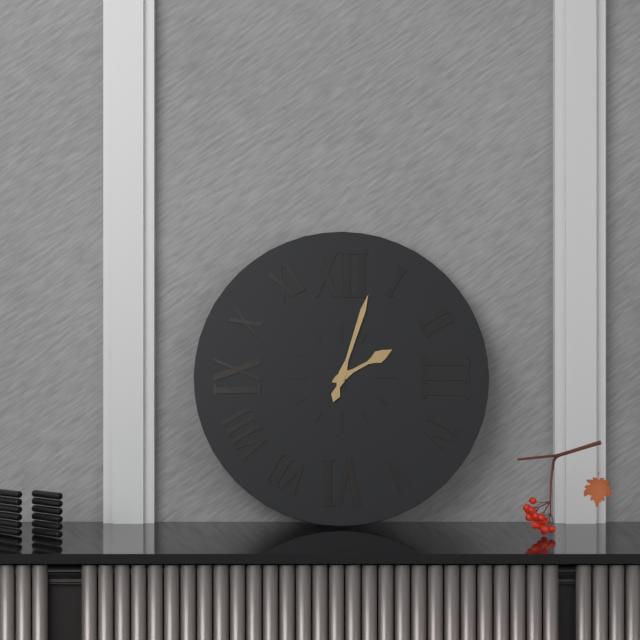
2:03
